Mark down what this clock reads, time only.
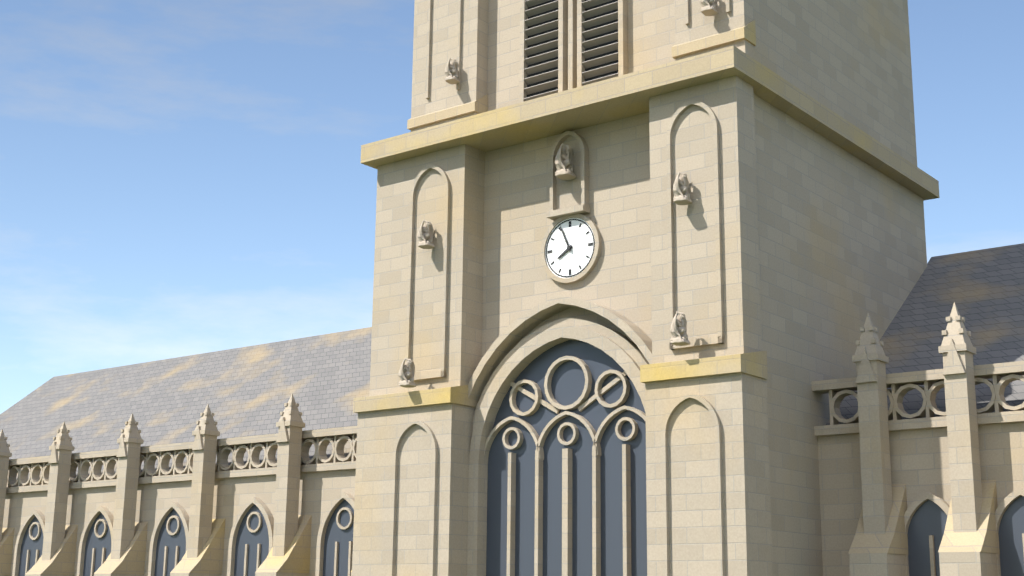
7:56
